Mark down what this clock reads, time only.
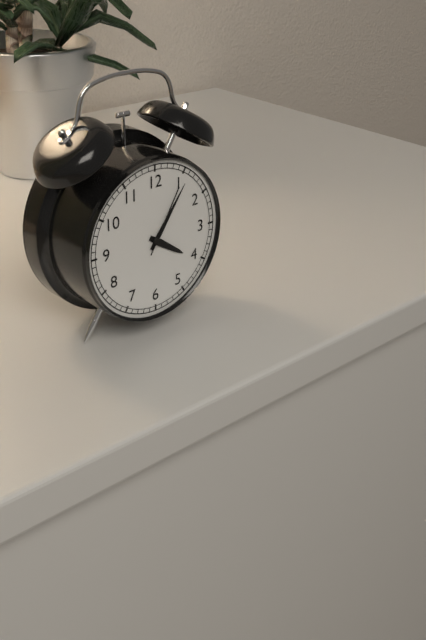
4:06:05
